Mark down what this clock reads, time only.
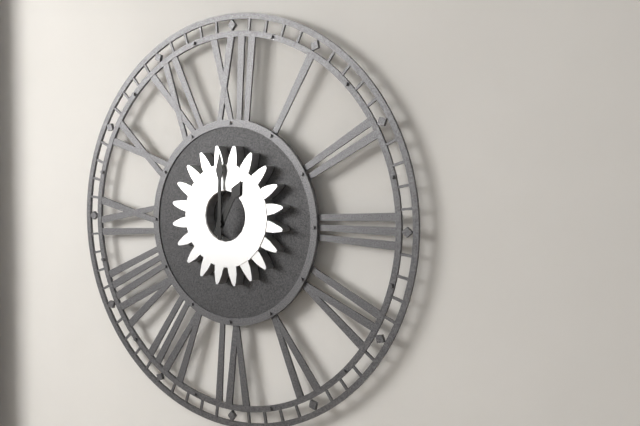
1:00
